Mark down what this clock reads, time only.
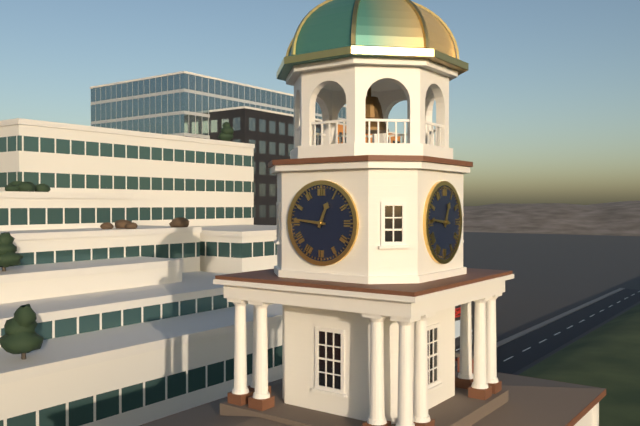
12:46
